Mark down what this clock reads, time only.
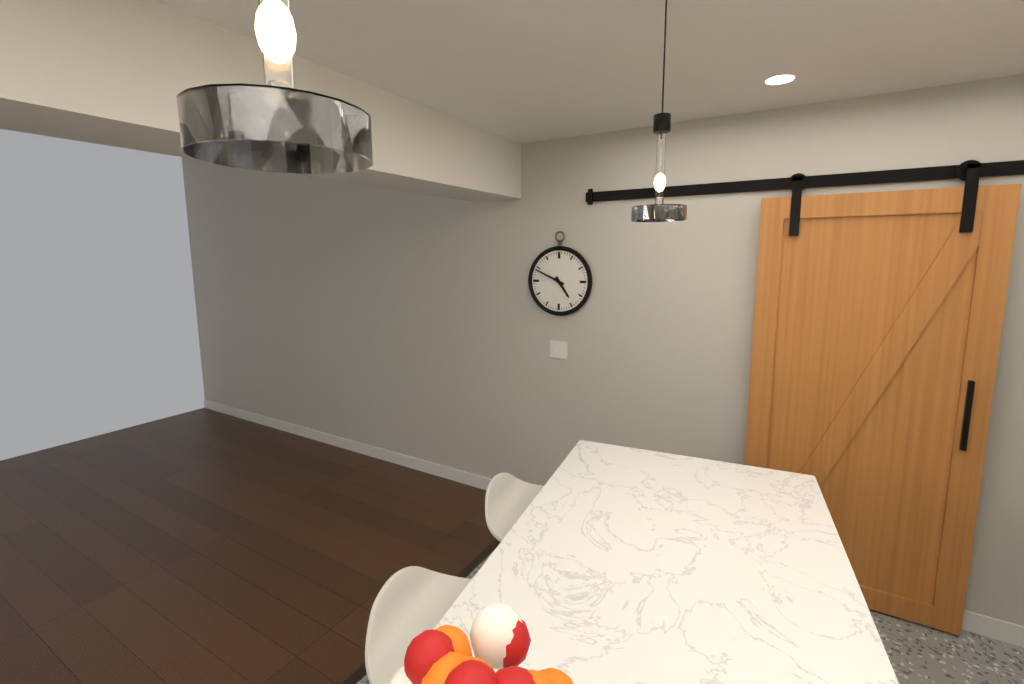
4:49
